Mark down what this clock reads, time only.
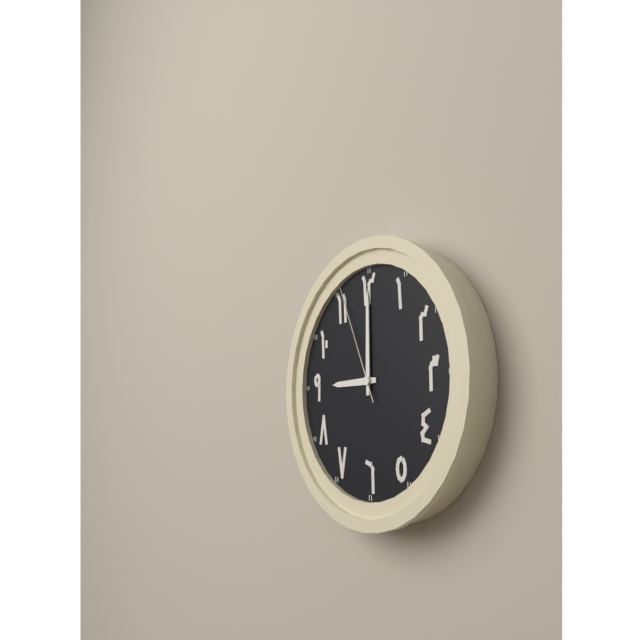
9:00:56
